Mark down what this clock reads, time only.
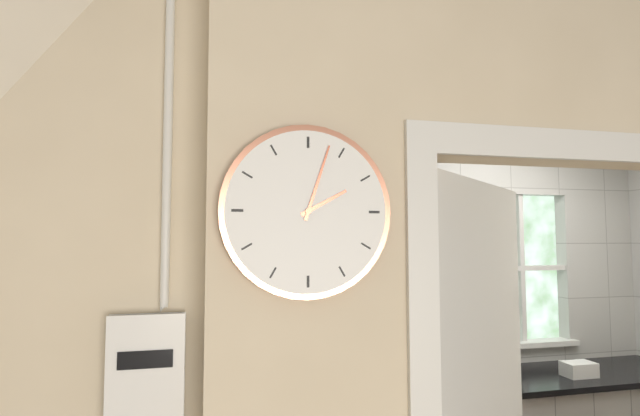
2:03
